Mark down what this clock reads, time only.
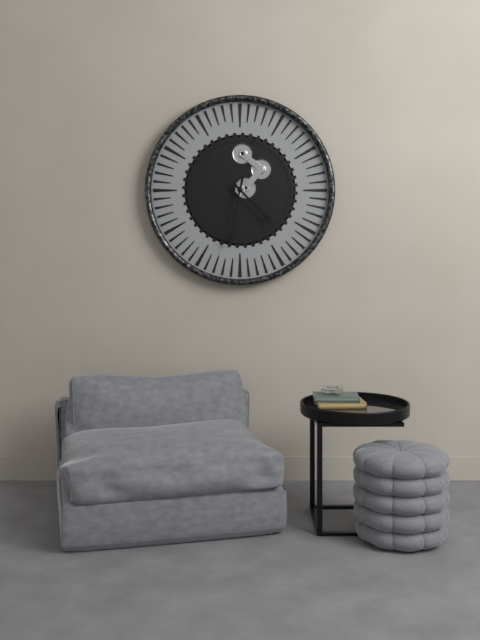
4:32
